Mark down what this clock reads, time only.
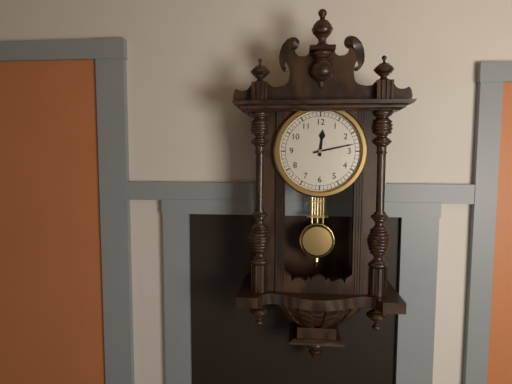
12:13
